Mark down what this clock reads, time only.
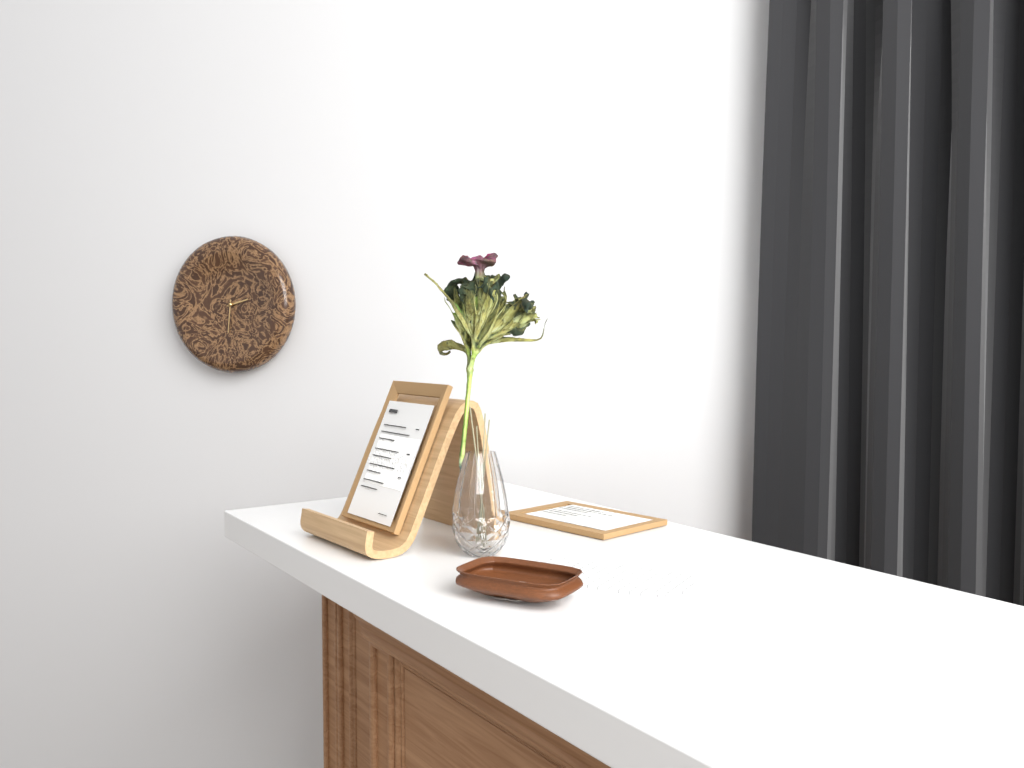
2:31
